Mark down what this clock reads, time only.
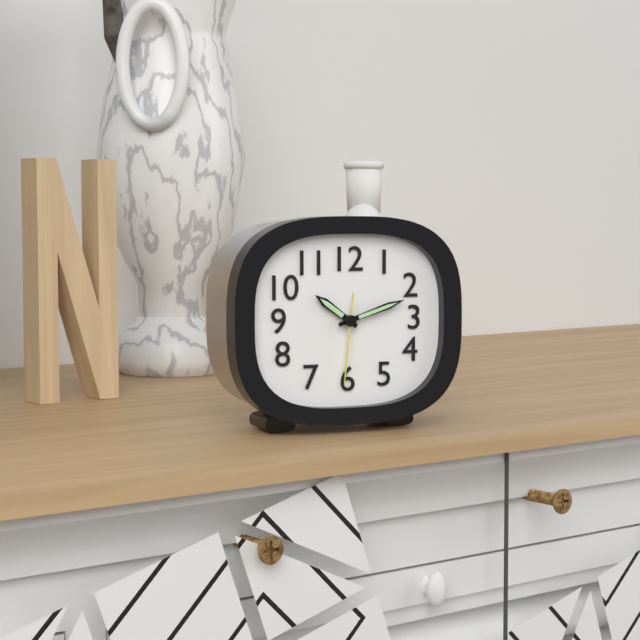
10:12:31
